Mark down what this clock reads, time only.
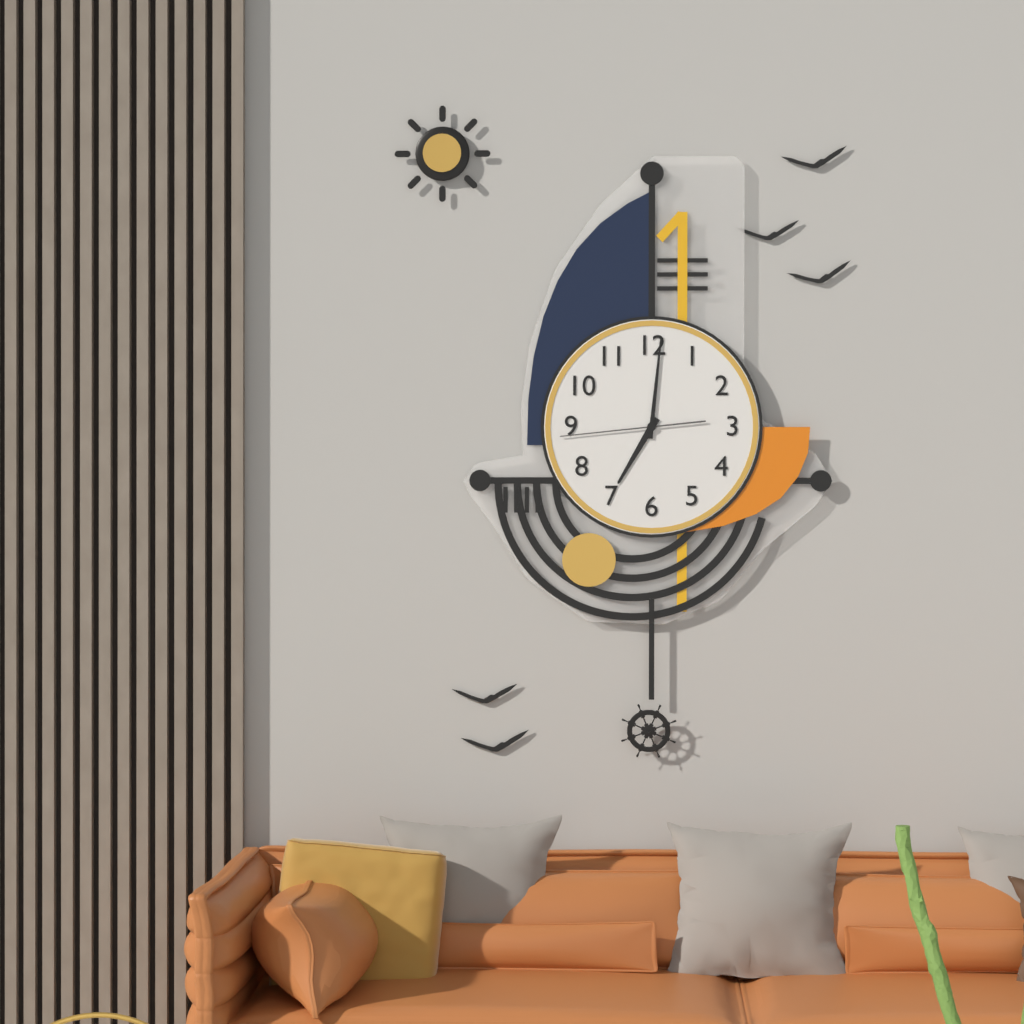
7:01:44
